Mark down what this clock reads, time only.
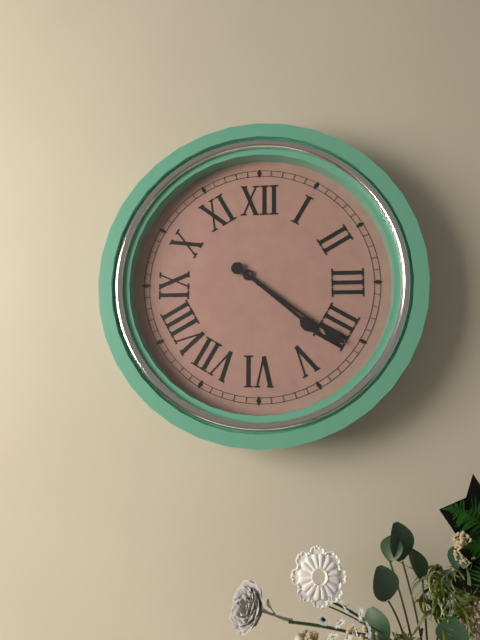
4:21
